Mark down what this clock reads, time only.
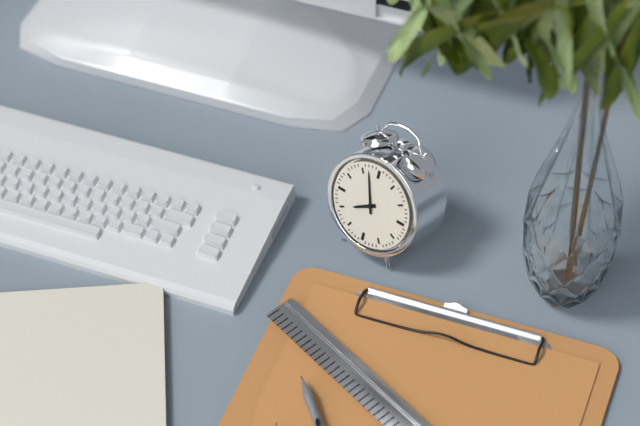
7:57
